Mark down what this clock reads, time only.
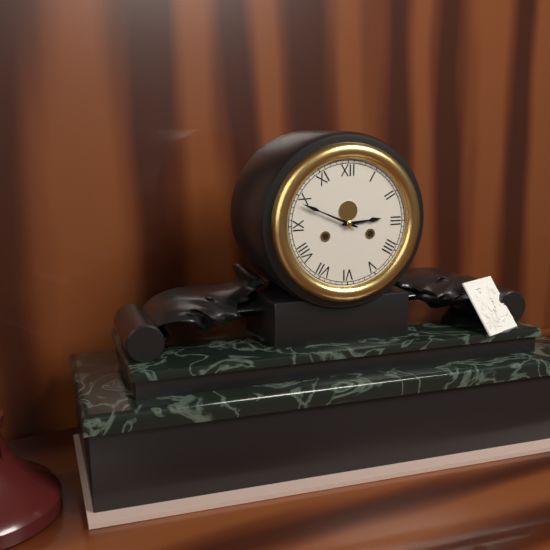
2:49
